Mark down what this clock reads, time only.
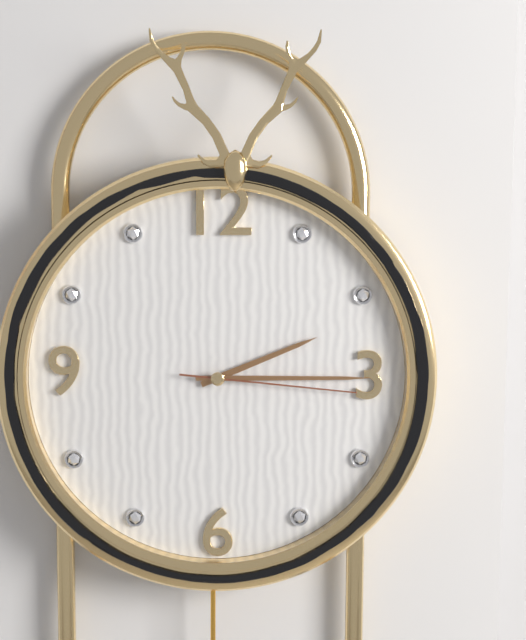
2:15:16
